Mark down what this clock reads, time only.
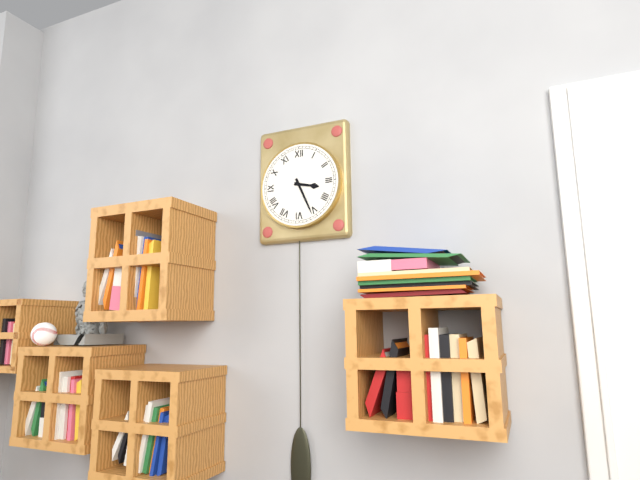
3:26
